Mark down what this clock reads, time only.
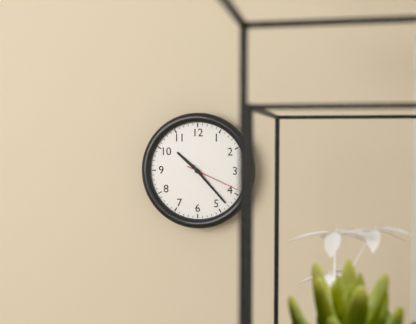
10:23:19
